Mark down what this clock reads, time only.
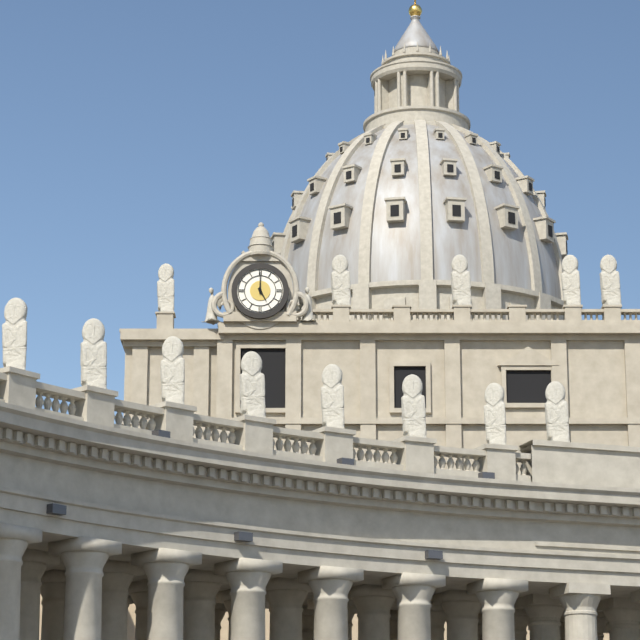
5:00
